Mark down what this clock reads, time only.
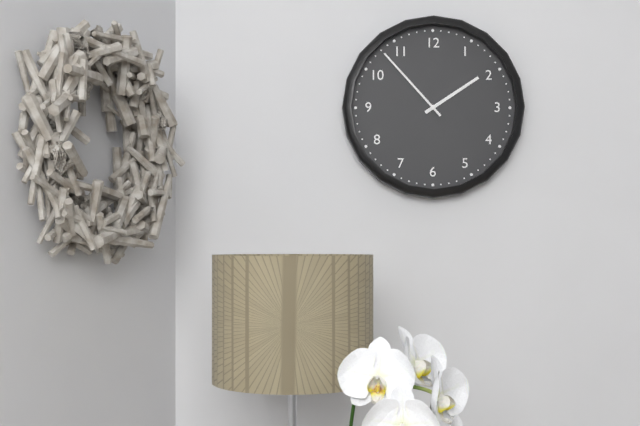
1:53
